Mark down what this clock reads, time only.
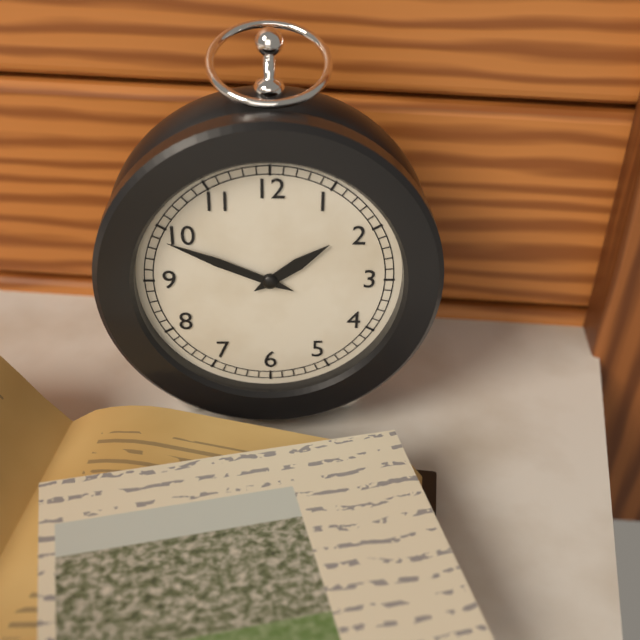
1:49
